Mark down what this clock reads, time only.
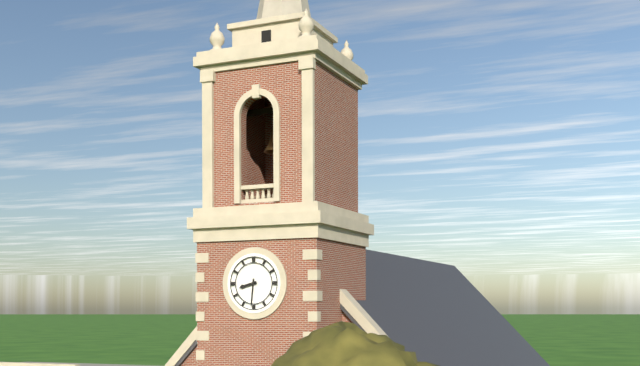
8:31
